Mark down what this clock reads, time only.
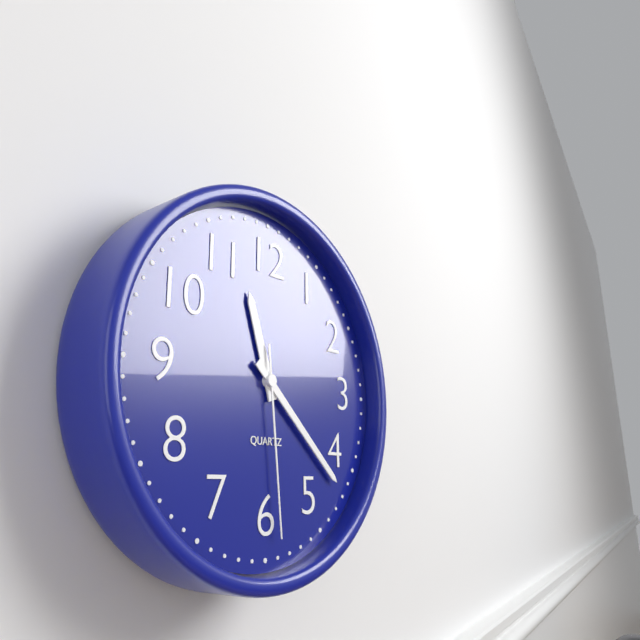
11:22:29
